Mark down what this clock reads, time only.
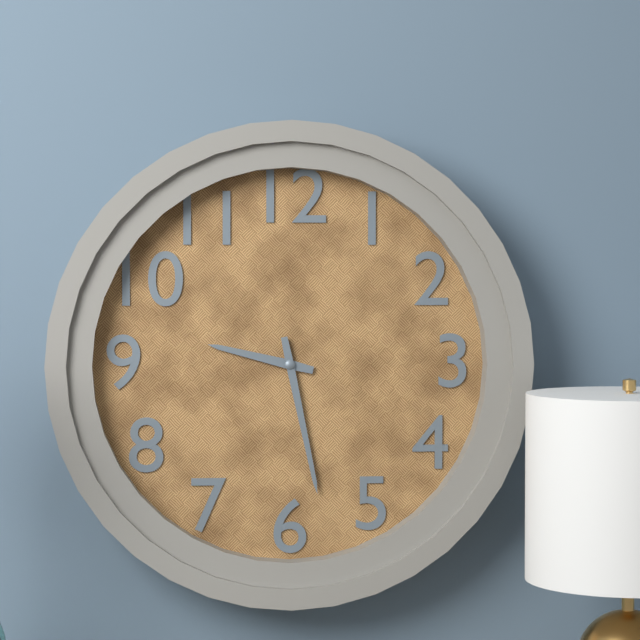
9:28
